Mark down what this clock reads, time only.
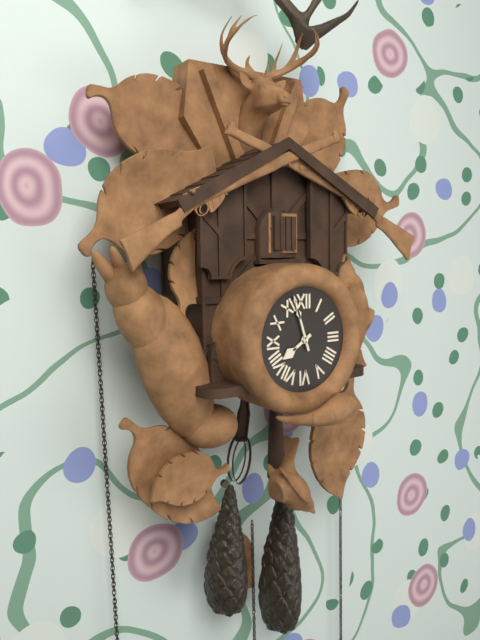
7:57
